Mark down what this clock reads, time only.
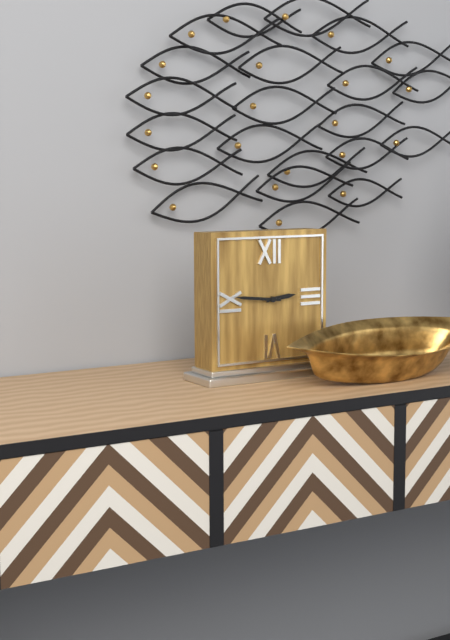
2:46
